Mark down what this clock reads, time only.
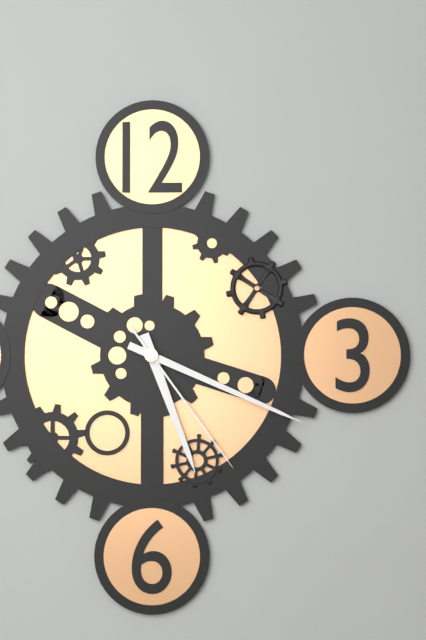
5:19:24
